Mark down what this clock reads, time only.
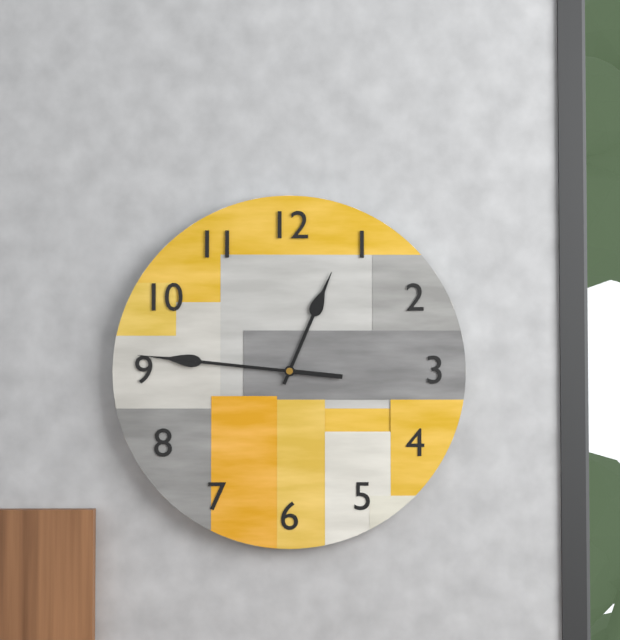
12:46:46
